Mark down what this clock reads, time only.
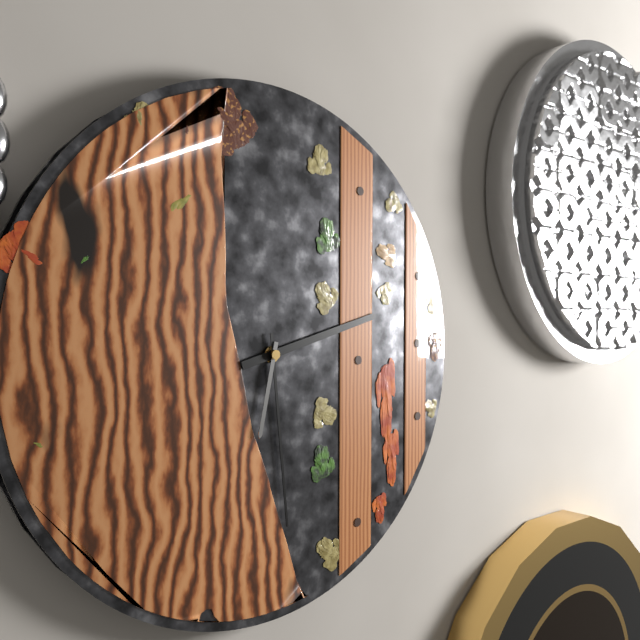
2:29:32
